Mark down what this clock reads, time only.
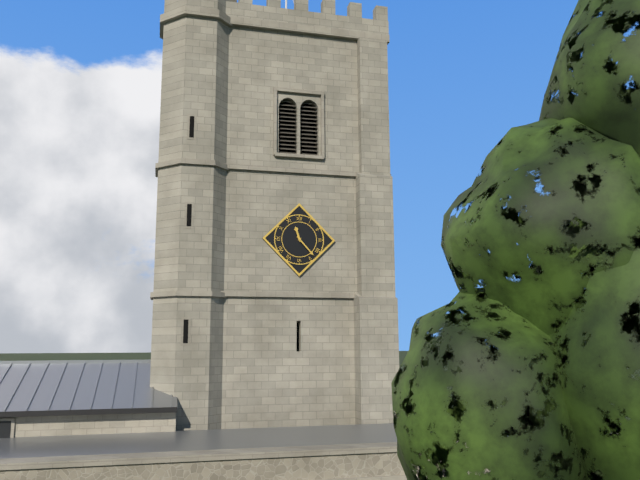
11:23
